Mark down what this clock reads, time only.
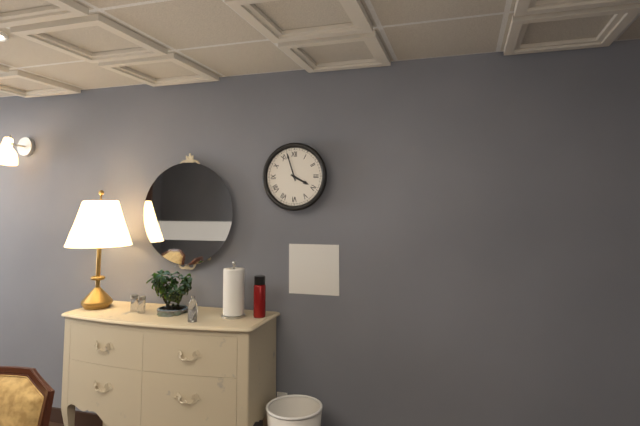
3:57
